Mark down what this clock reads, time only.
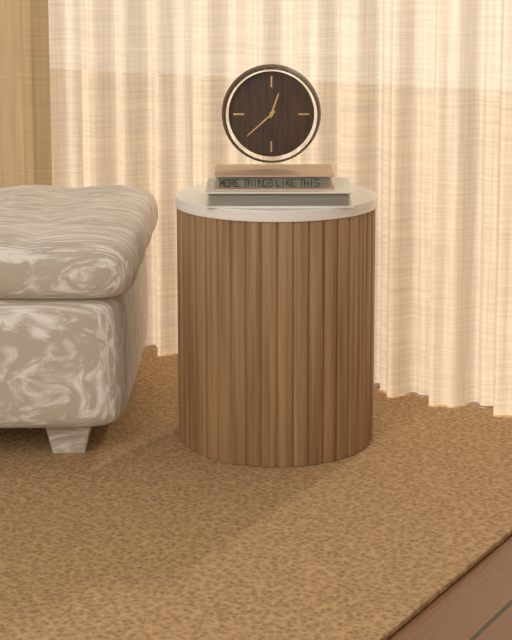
12:38
